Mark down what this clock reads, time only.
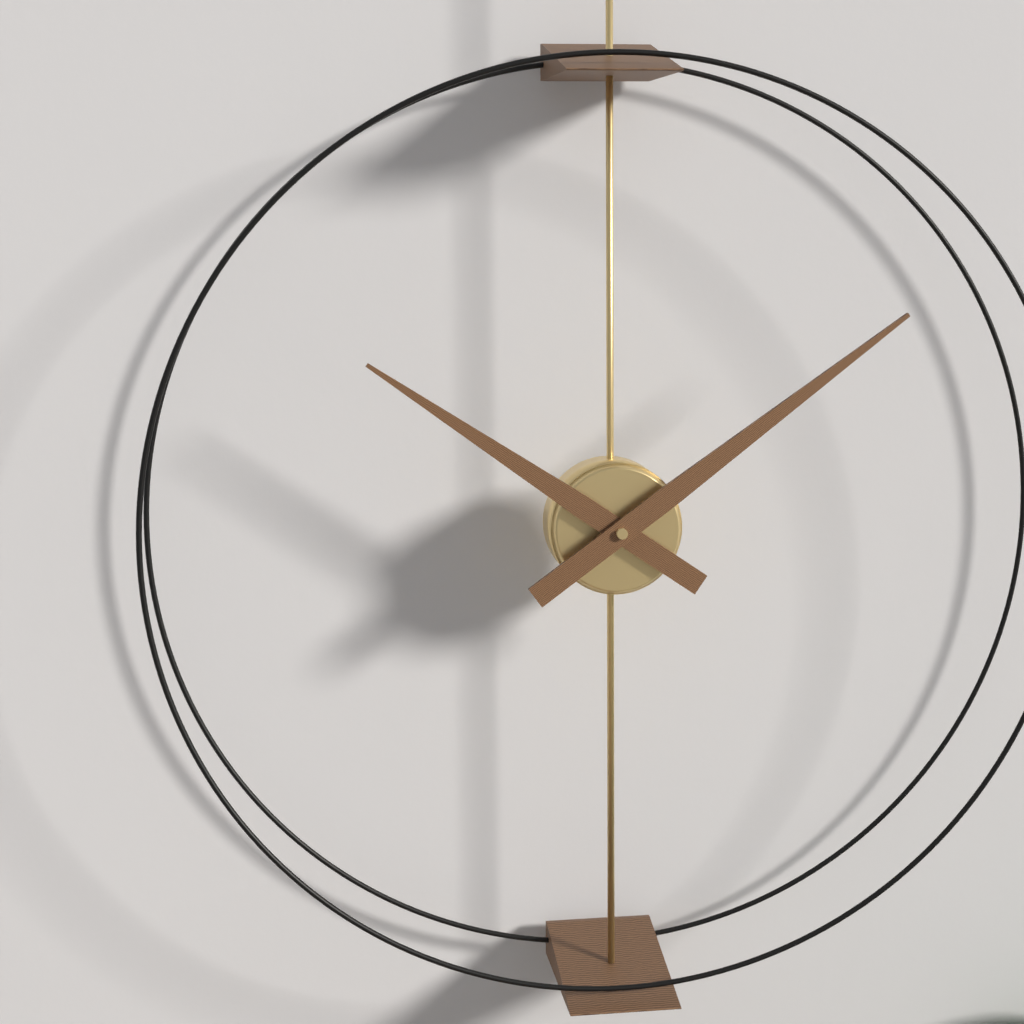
10:09
